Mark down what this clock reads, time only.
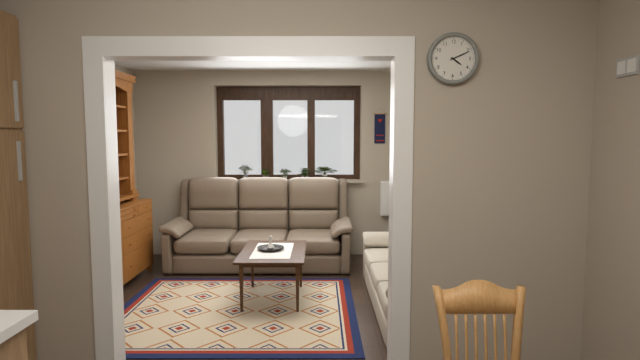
4:11
